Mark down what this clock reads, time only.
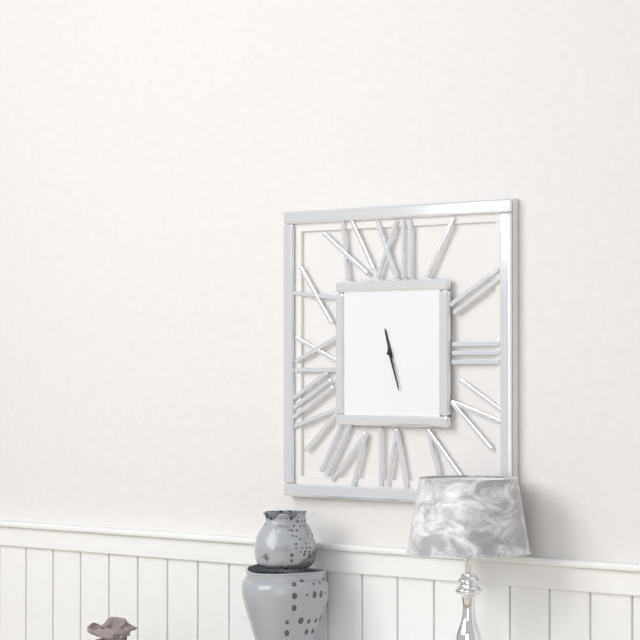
11:27
